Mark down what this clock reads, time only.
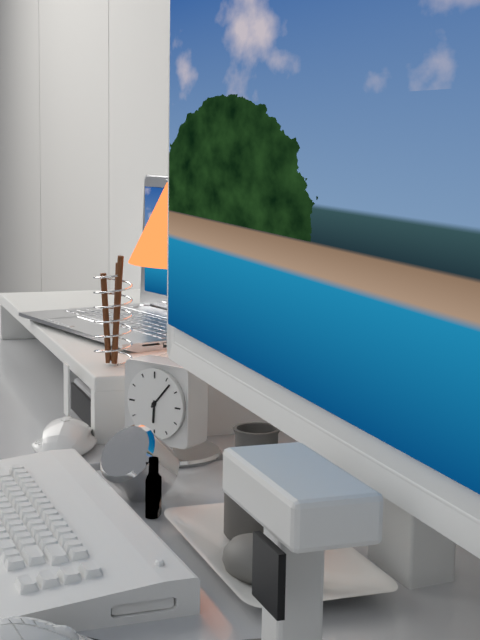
6:07
